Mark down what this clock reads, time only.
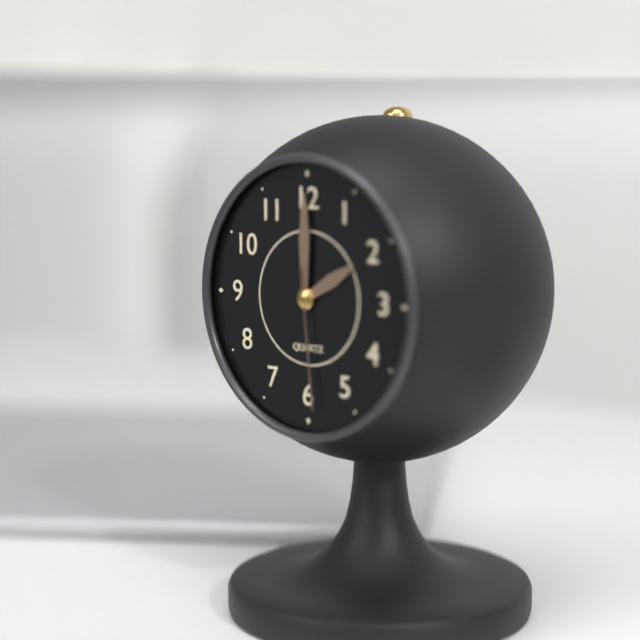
2:00:29
